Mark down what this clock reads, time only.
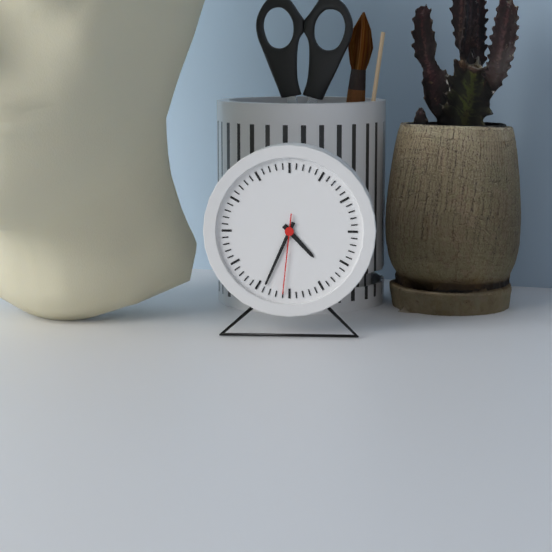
4:34:31
